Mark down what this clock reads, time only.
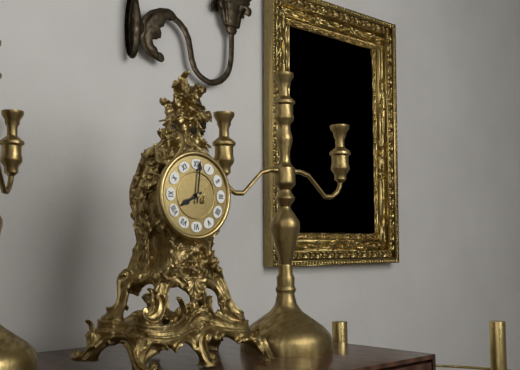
8:01
